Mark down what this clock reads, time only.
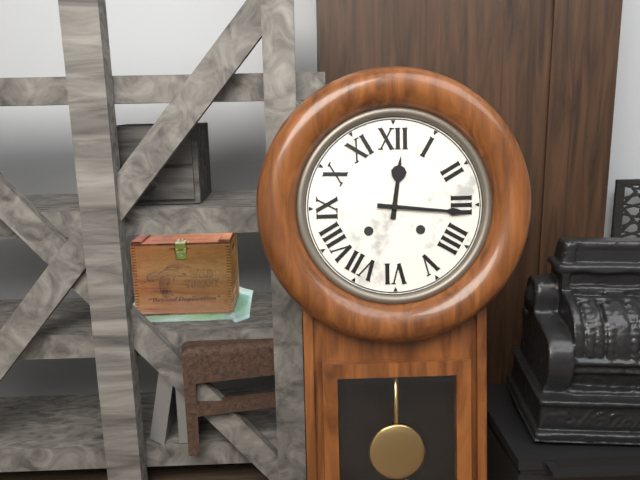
12:16
